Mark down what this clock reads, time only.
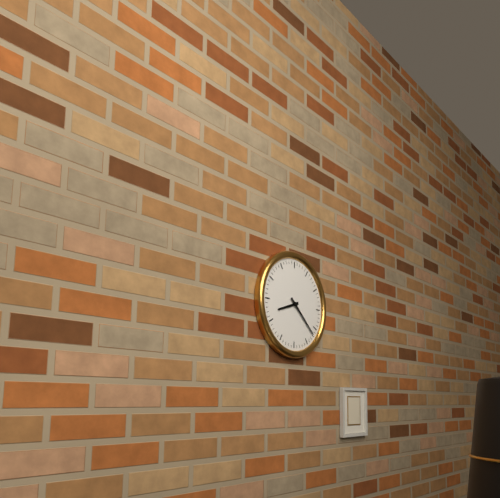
8:22
